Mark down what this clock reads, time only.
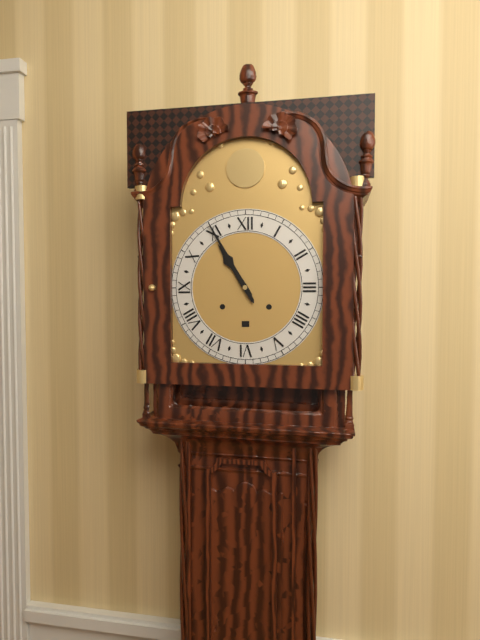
10:55
